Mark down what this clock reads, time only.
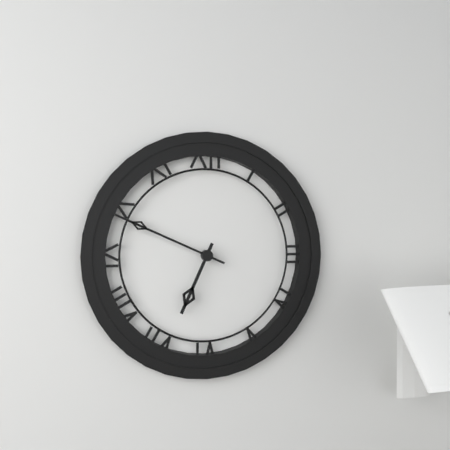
6:49
